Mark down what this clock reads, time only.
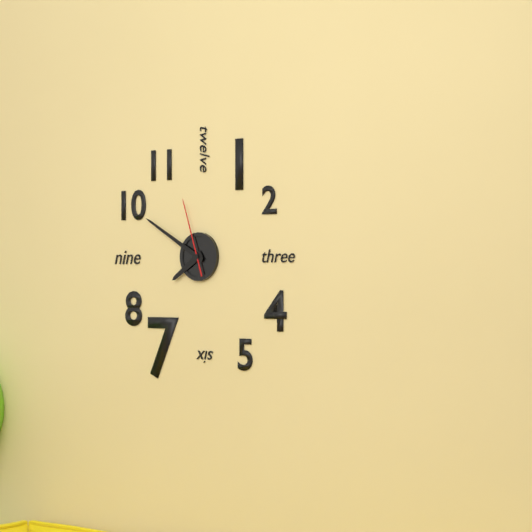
7:50:57
